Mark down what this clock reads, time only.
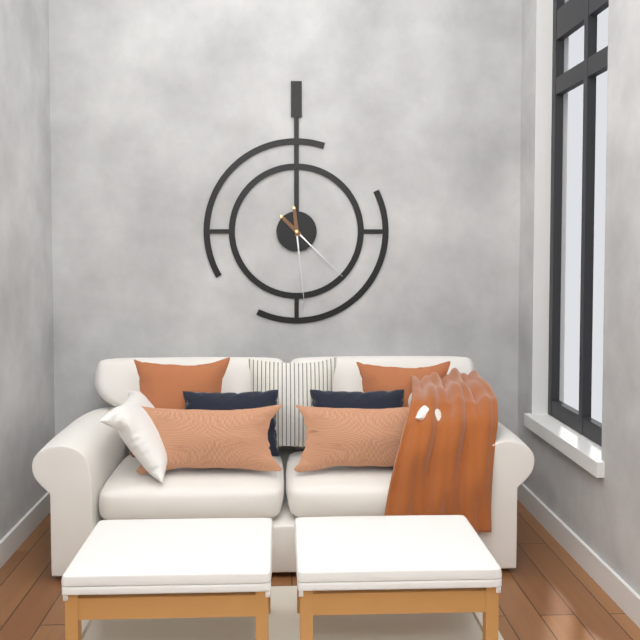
4:29
